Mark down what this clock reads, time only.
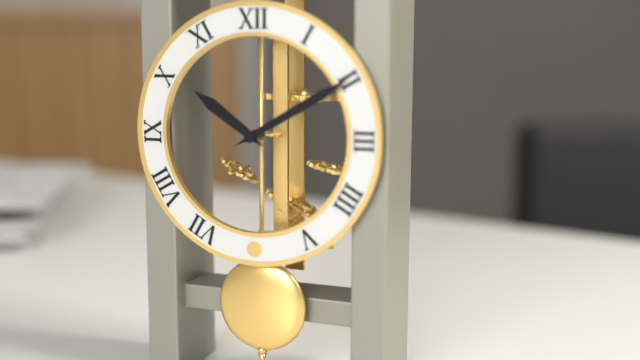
10:10
